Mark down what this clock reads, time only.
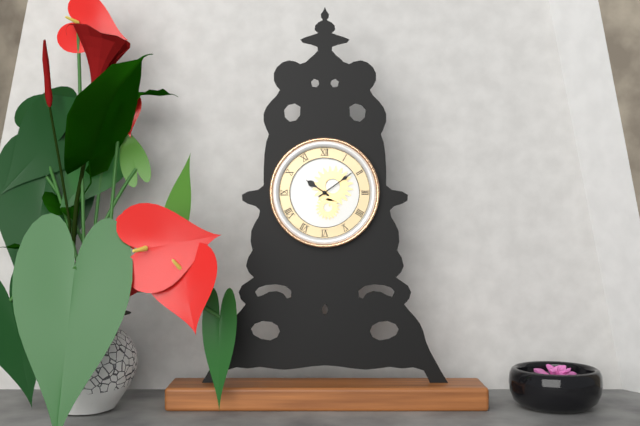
10:09
